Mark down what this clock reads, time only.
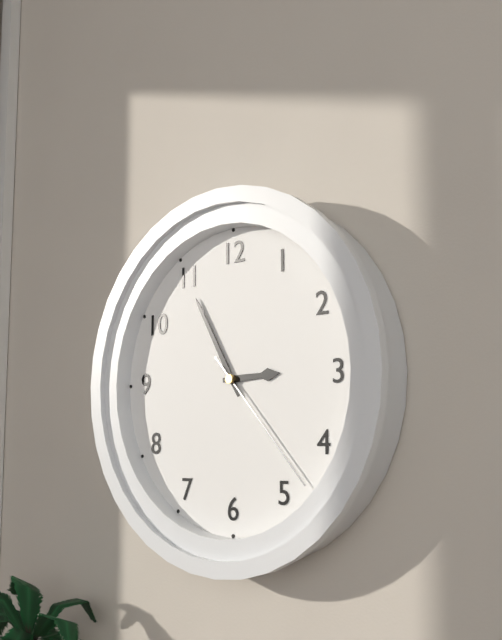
2:55:23
